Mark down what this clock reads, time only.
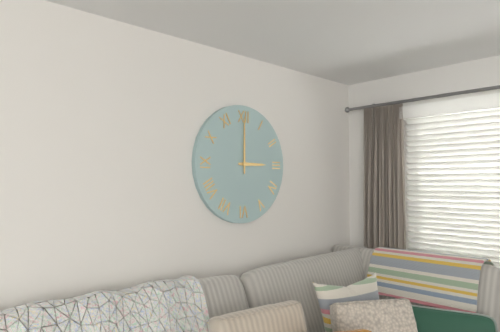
3:00
